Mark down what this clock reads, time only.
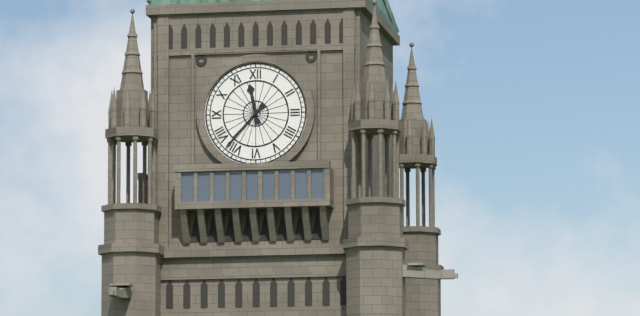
11:37
